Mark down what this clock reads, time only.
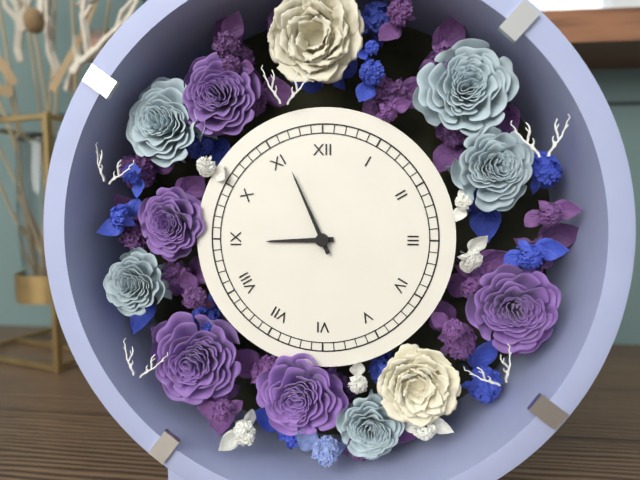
8:56
